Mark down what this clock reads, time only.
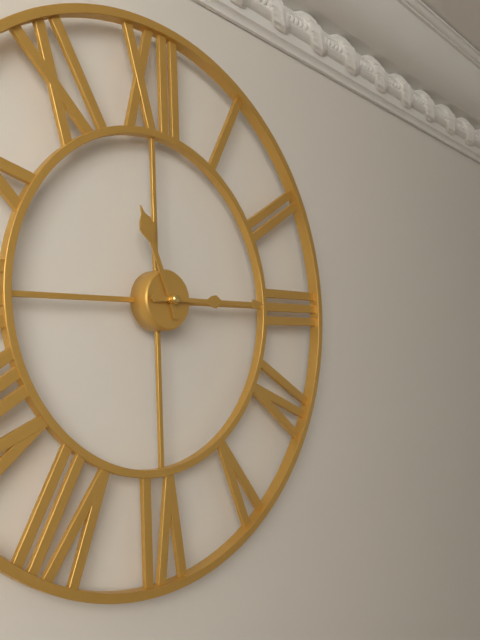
11:15
